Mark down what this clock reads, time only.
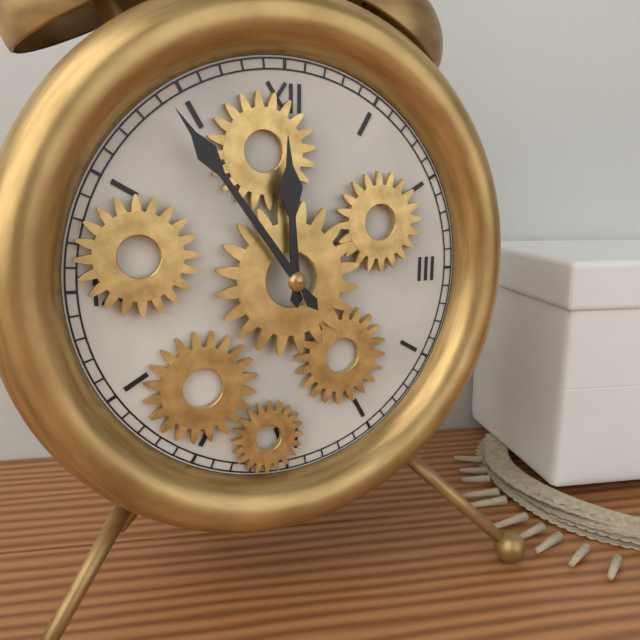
11:54
